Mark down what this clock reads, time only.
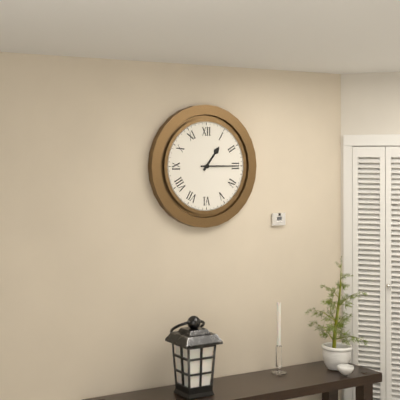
1:15
